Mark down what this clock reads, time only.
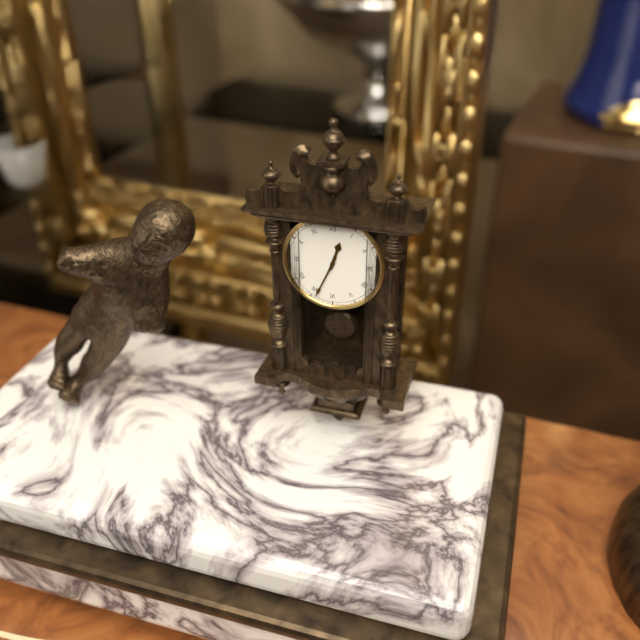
12:34
